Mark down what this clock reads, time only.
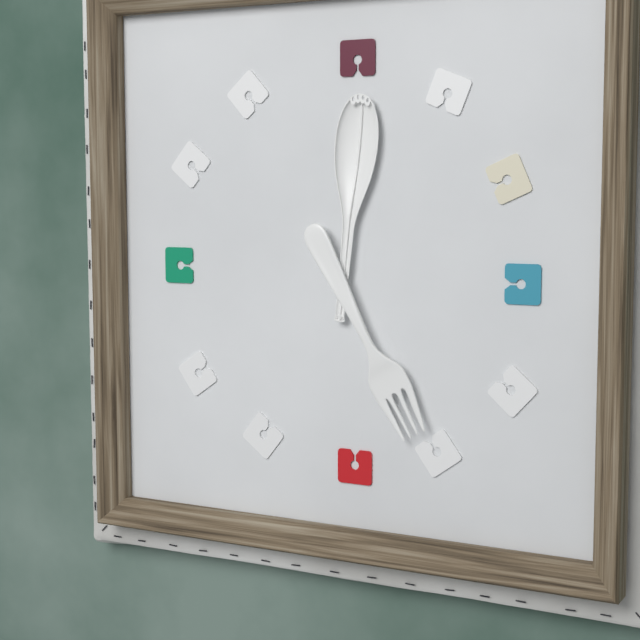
5:01
